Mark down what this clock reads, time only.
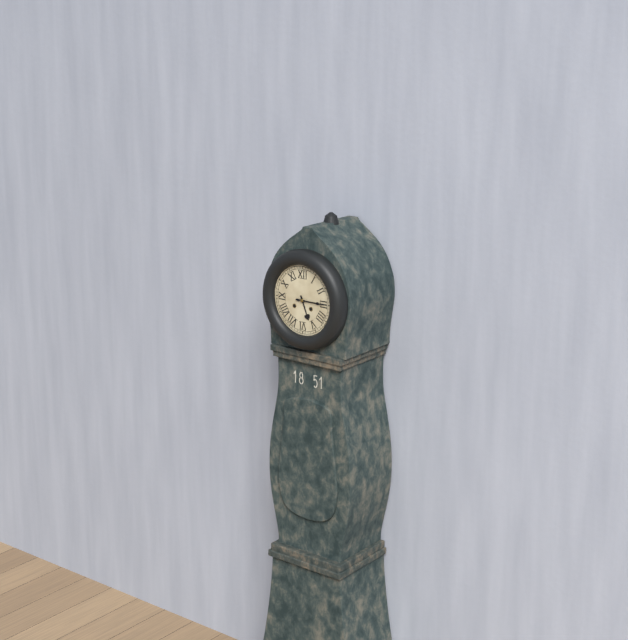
5:15
